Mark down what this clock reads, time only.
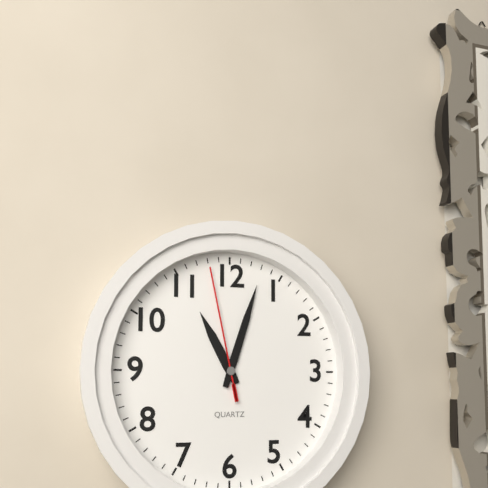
11:03:58
